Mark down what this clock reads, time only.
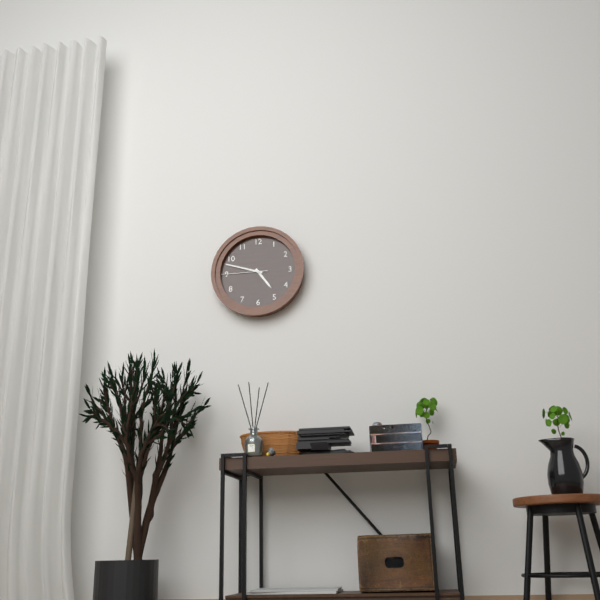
4:48
